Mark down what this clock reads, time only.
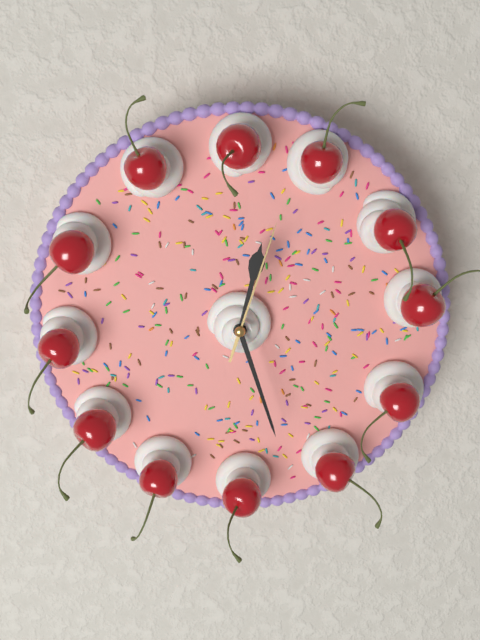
12:27:03
